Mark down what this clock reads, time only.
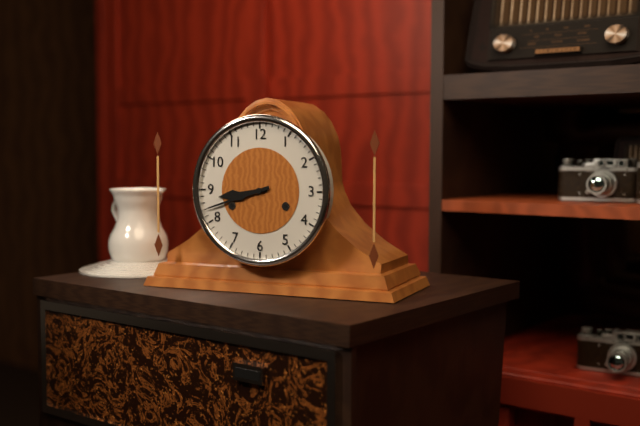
8:42
